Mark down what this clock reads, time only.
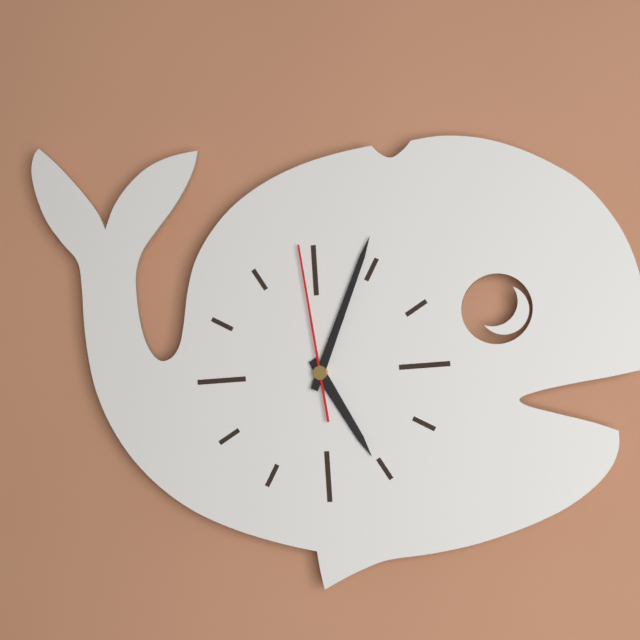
5:04:59
